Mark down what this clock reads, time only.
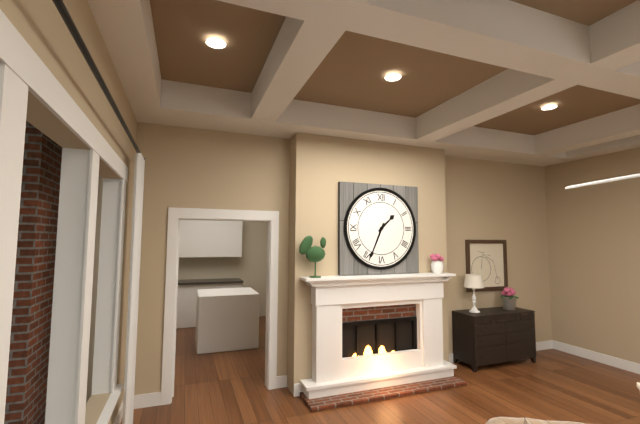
1:34
